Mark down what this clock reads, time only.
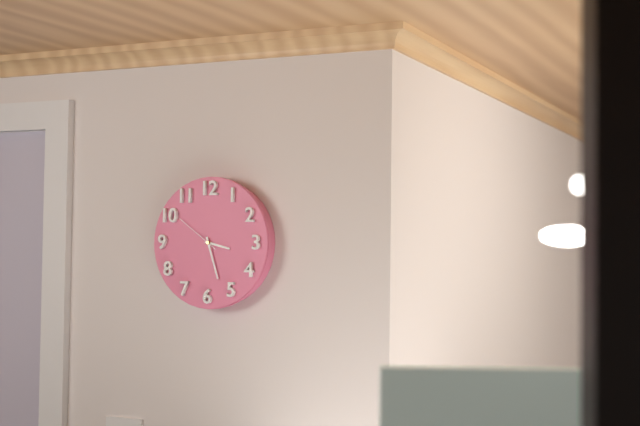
3:27
